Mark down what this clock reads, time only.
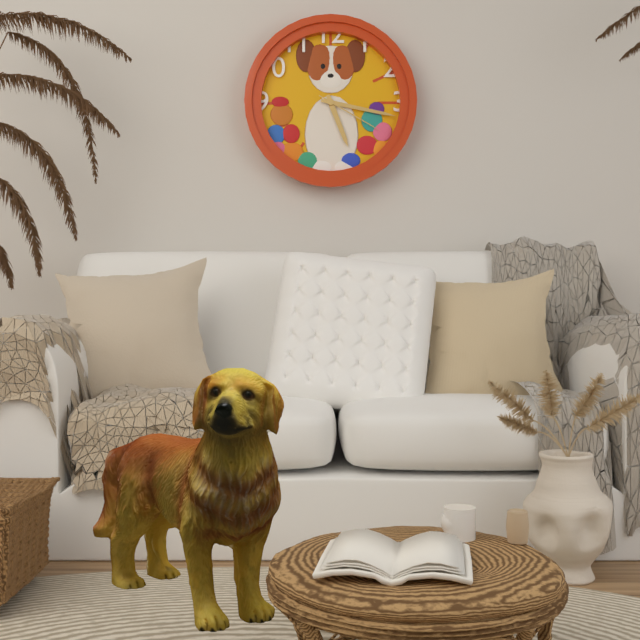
5:17:20
